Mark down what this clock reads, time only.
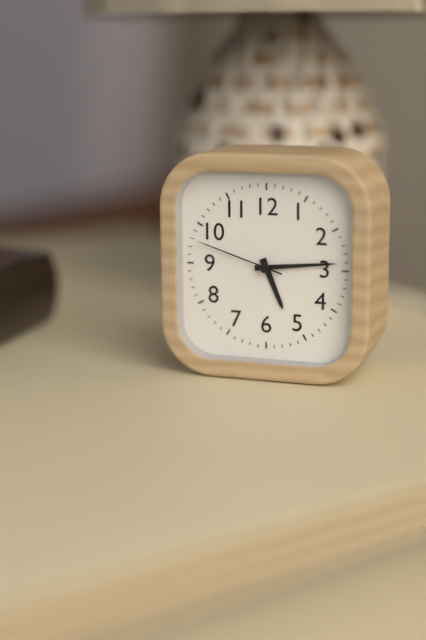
5:14:48
